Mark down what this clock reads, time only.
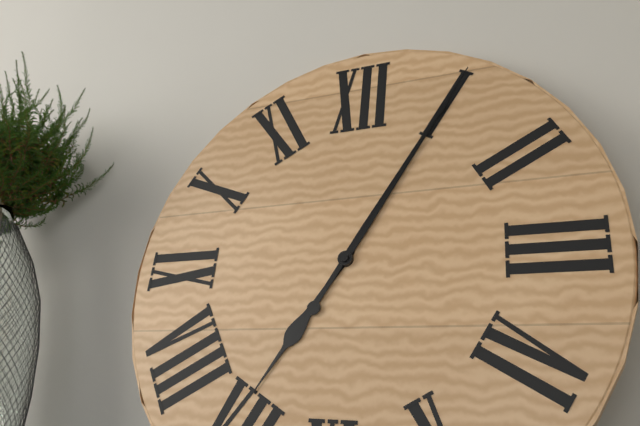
7:05
